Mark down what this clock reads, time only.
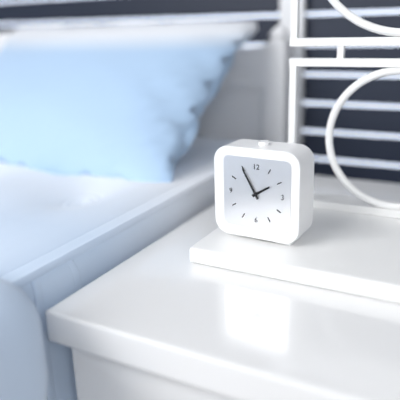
1:55
